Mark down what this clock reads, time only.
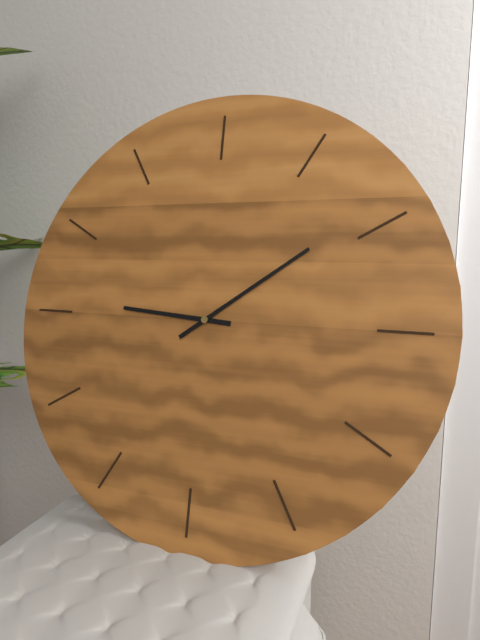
9:09
